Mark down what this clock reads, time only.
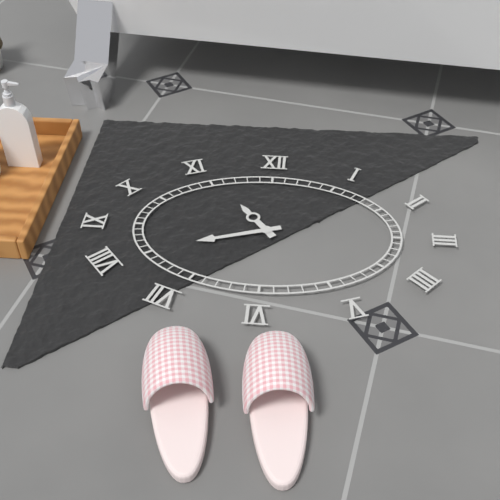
10:42
